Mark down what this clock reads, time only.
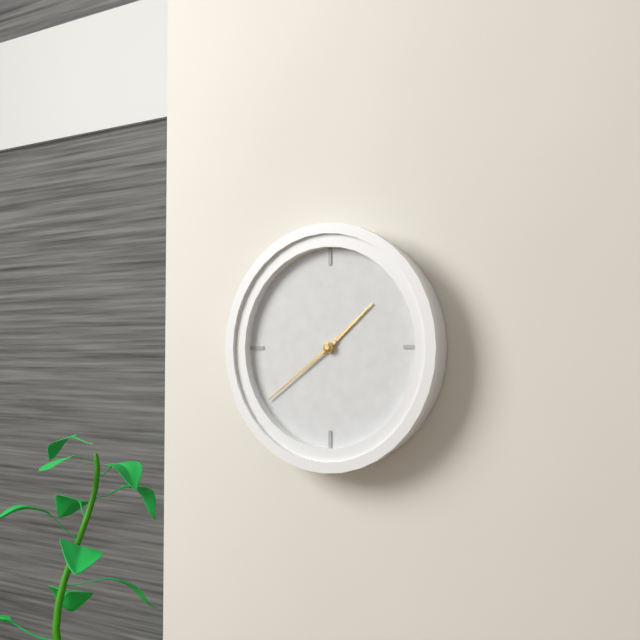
1:39
